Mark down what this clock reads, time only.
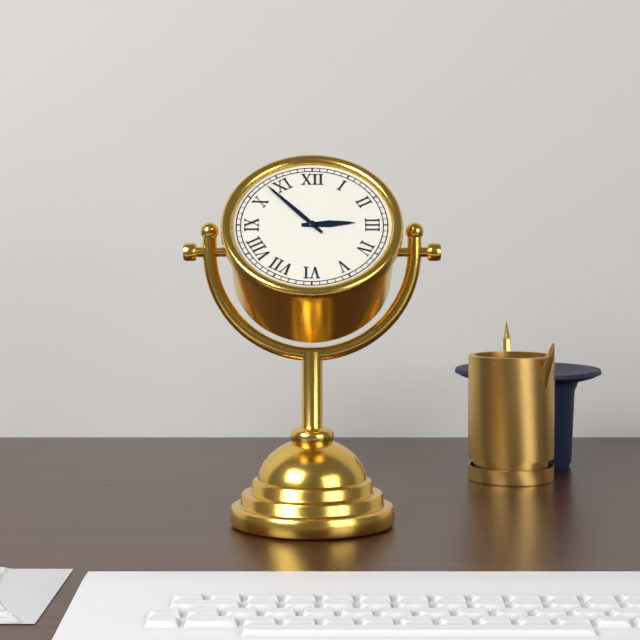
2:53
